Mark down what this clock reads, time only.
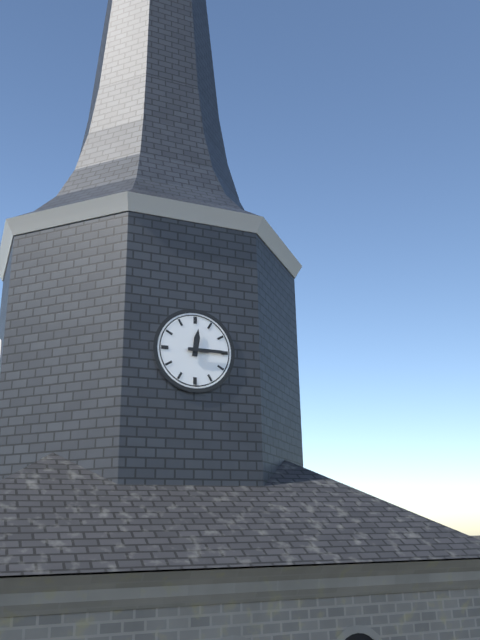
12:15
